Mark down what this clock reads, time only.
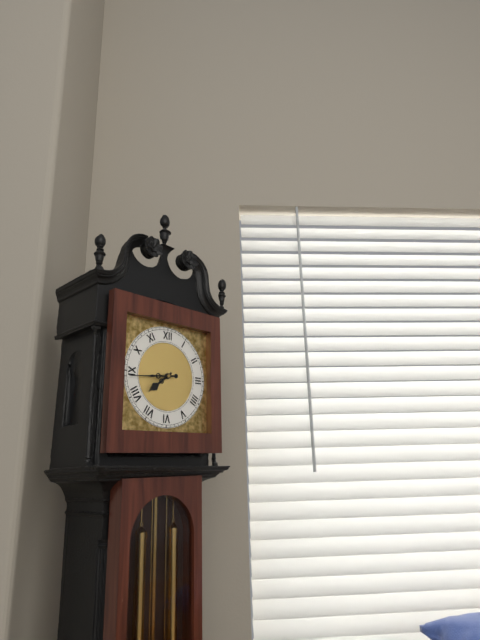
7:44
